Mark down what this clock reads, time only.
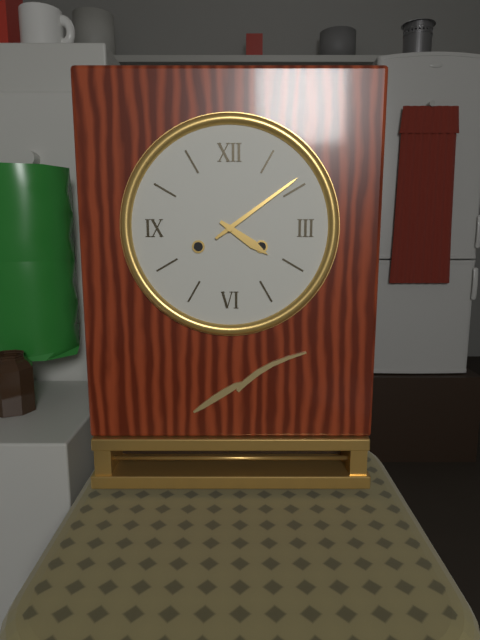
4:09
